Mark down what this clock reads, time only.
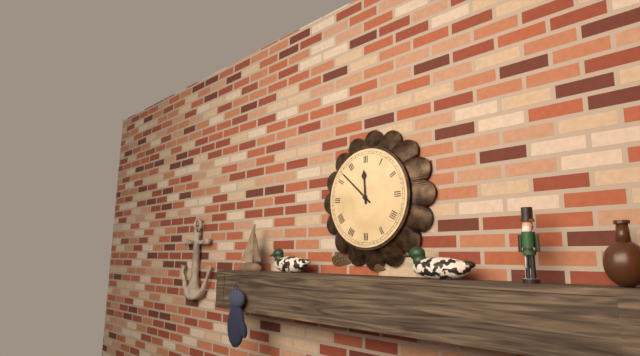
11:52
